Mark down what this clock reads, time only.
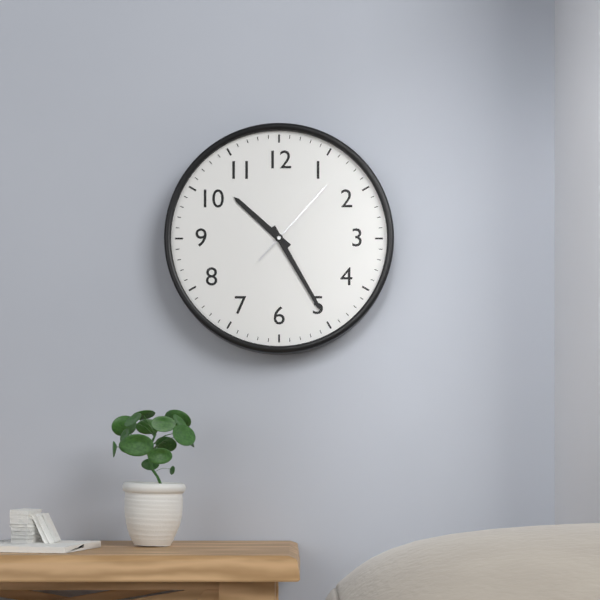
10:25:07
